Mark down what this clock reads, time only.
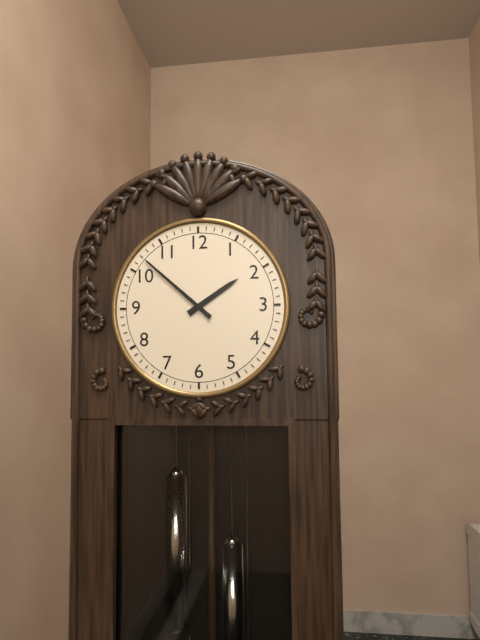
1:52
